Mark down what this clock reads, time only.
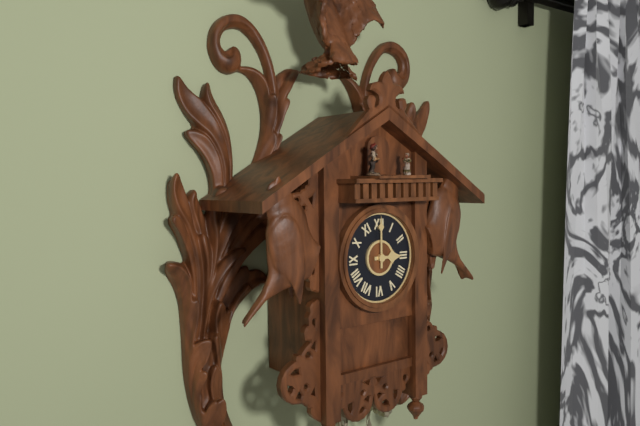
3:00
